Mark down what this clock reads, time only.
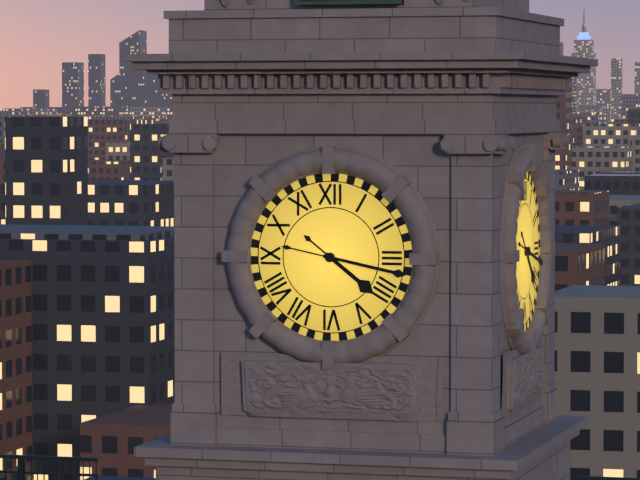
4:17
